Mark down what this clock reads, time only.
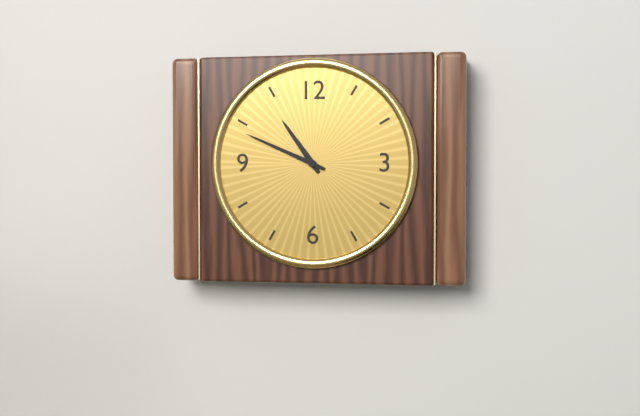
10:49
